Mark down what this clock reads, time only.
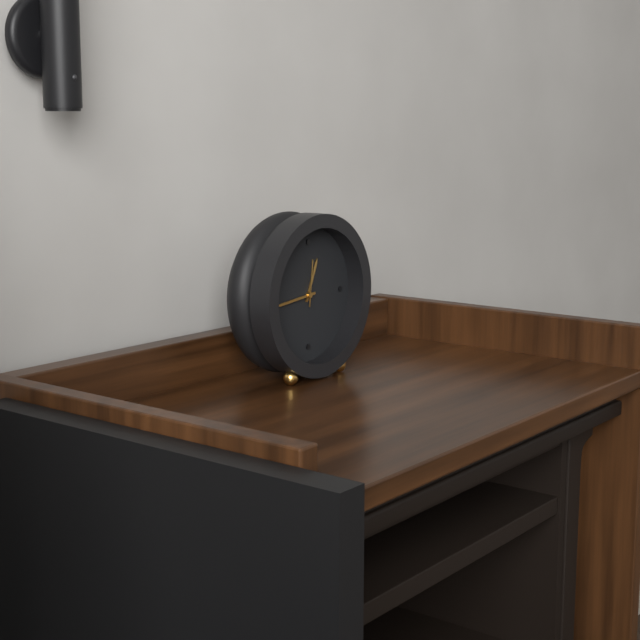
12:44
